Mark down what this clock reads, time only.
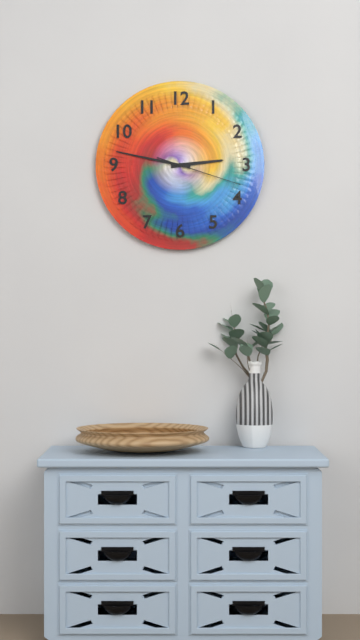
2:47:18
